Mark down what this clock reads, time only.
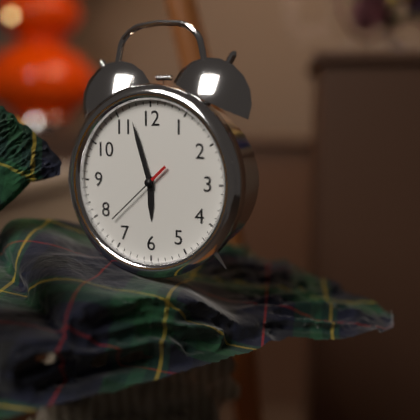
5:57:38
